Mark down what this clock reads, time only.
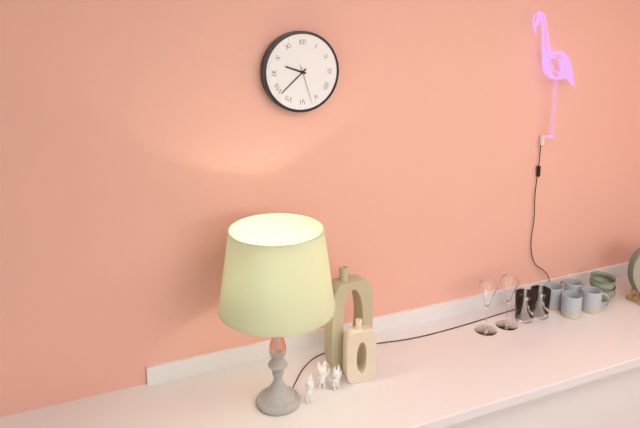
9:38
